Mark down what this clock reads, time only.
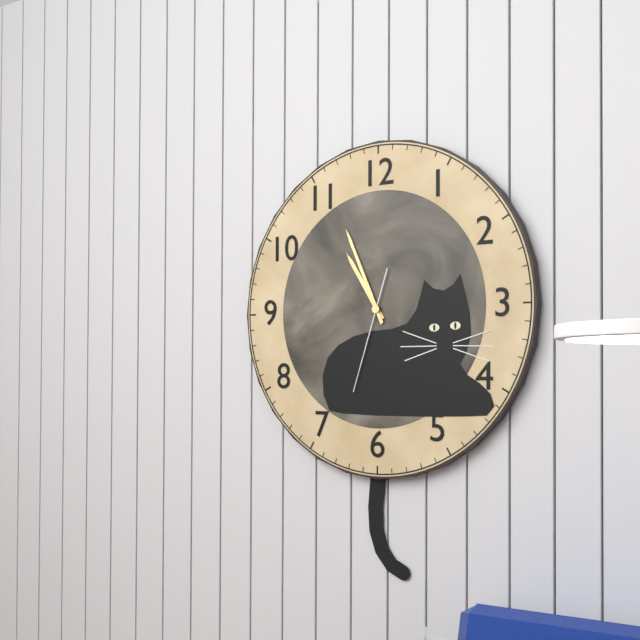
10:56:33
